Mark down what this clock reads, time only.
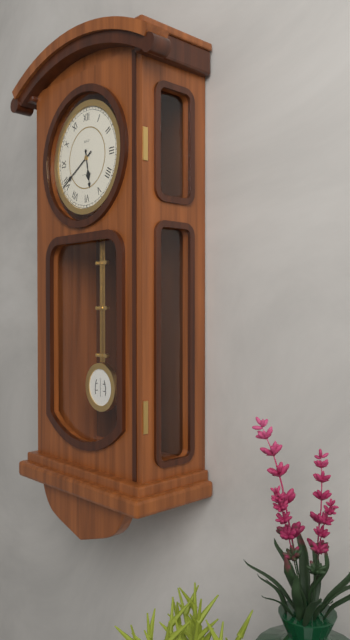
5:40
